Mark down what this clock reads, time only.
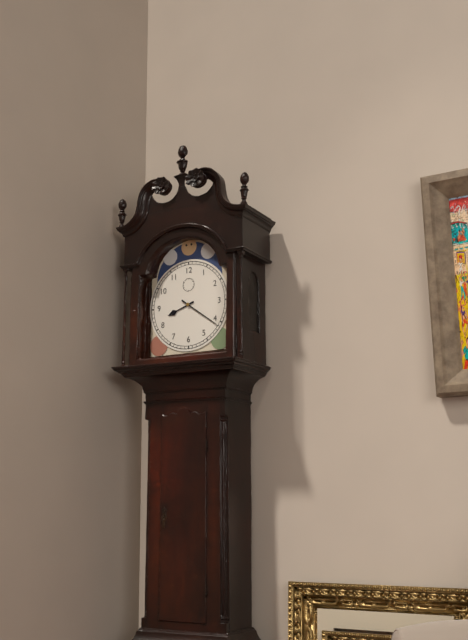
8:21
